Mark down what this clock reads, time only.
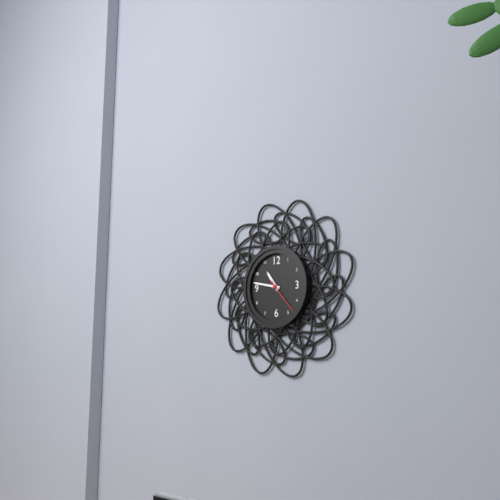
10:47
